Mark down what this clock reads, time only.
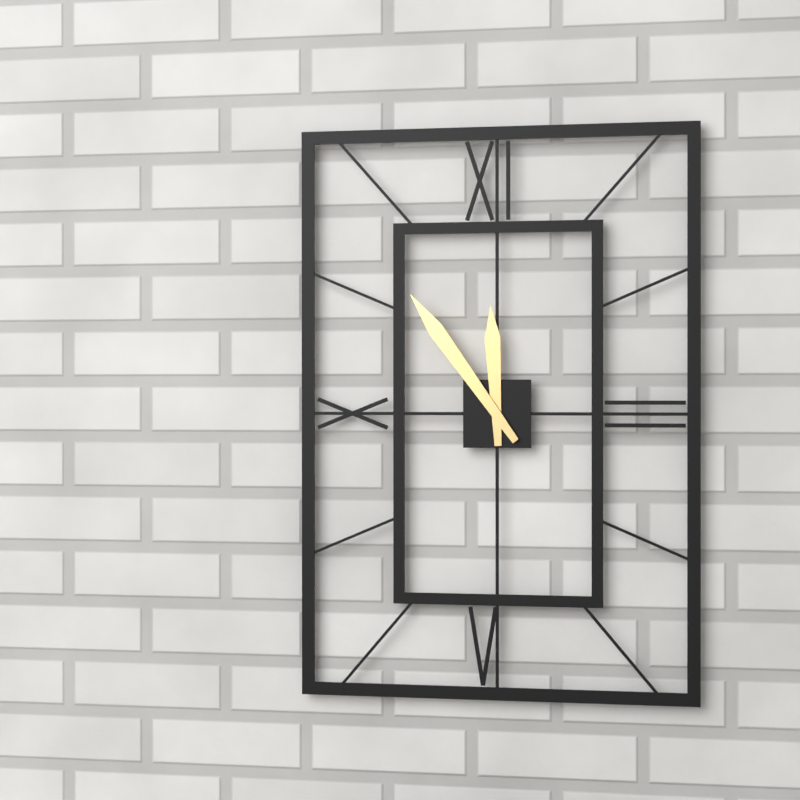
11:54
